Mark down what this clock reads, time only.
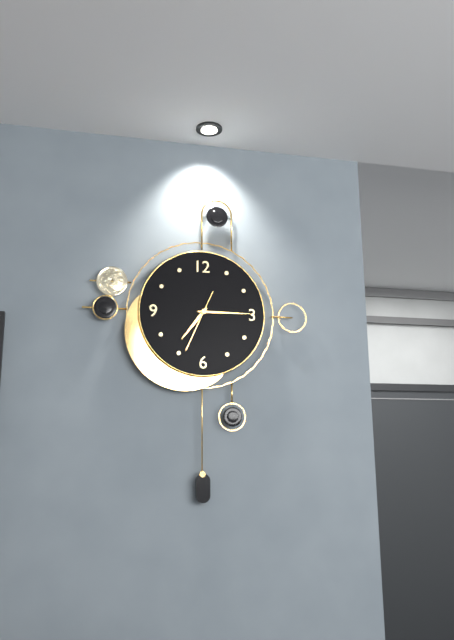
7:15:34
